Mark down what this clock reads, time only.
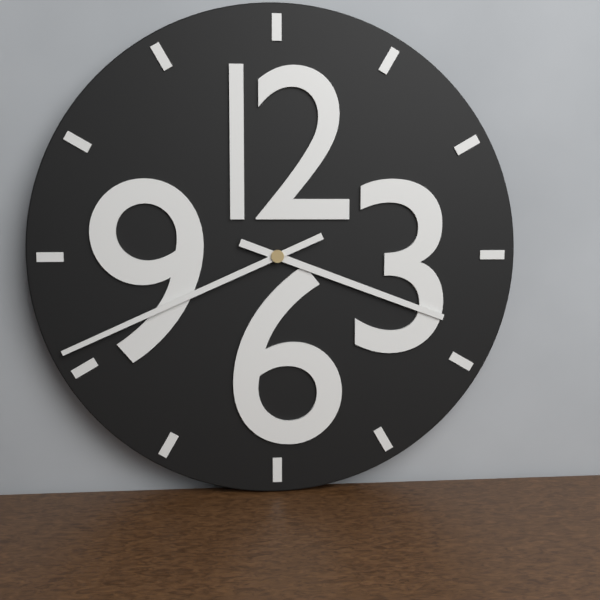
3:41
